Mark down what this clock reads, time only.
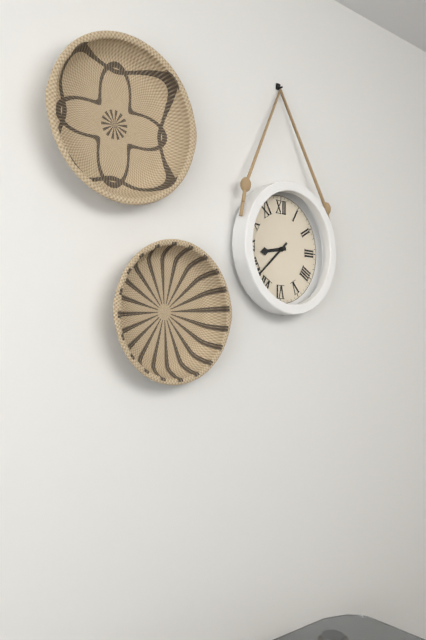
8:38
